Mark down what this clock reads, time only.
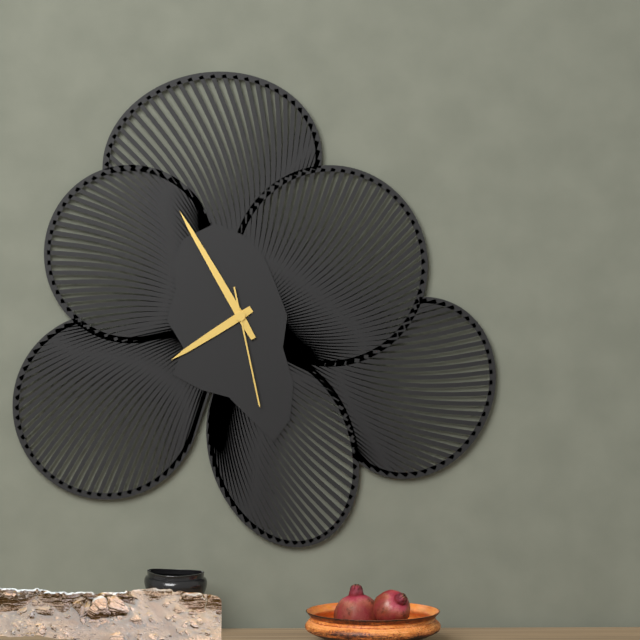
7:55:28
